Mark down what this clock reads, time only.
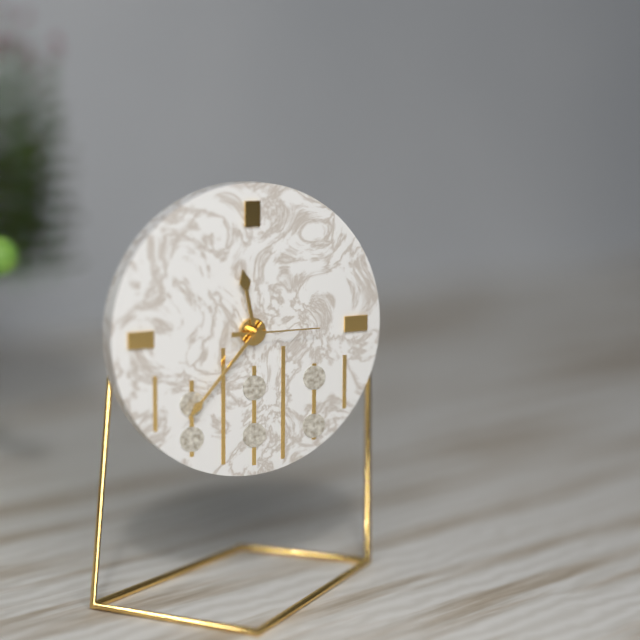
11:37:15
